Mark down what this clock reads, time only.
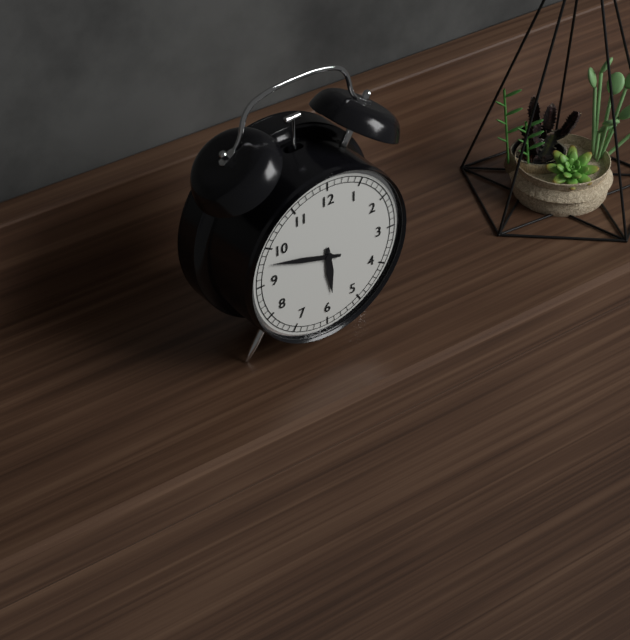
5:48
